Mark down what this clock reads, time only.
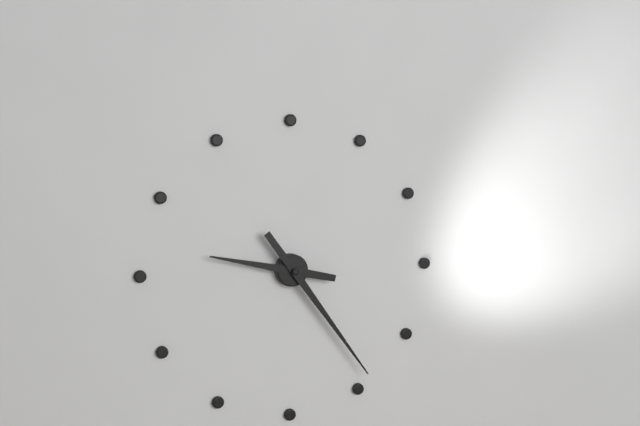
9:24
